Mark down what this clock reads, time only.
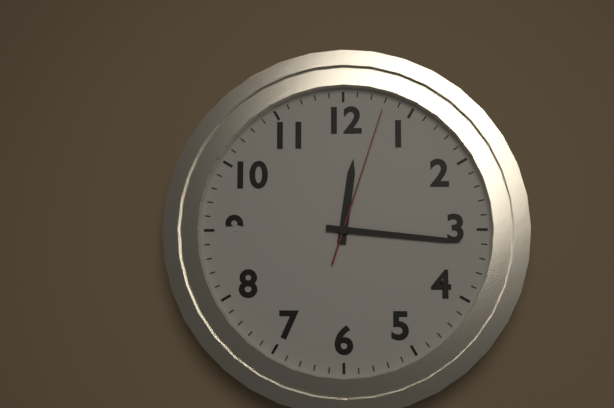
12:16:03
